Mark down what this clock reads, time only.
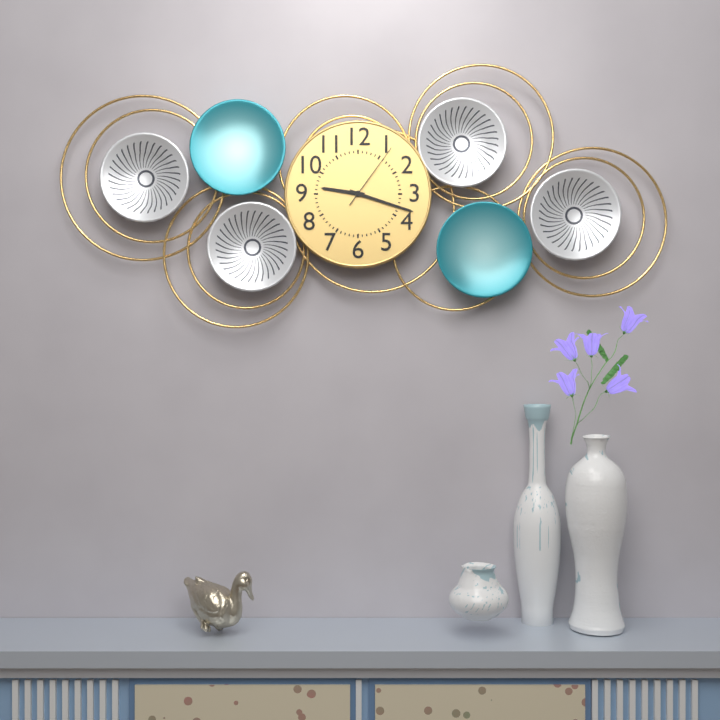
9:18:06
